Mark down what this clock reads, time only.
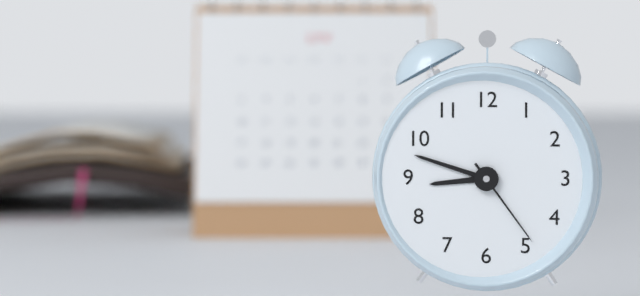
8:48:24
